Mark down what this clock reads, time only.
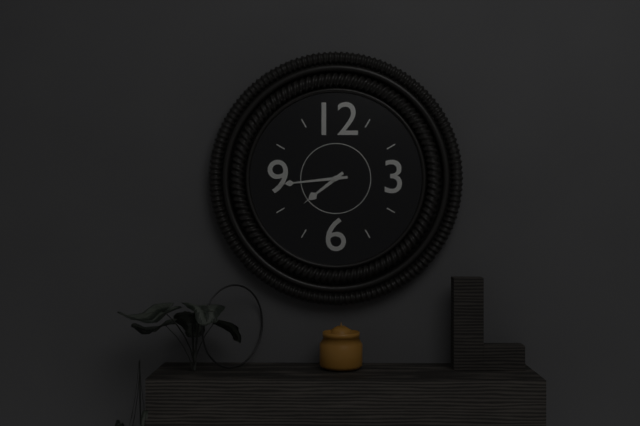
7:44
